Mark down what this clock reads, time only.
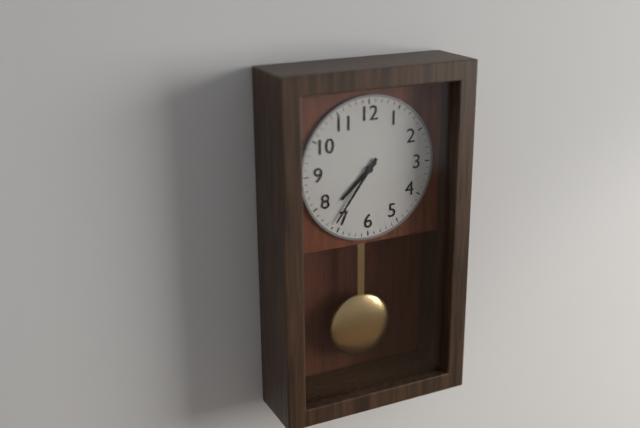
7:36
